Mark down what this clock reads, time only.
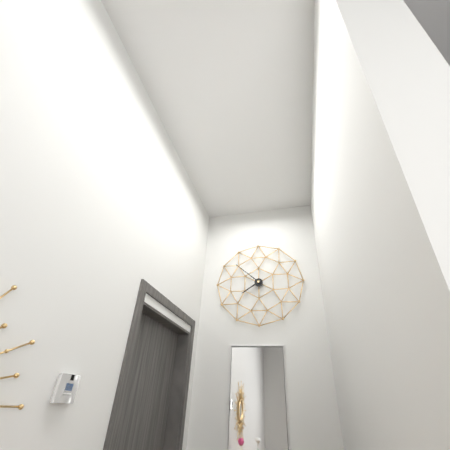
7:52
